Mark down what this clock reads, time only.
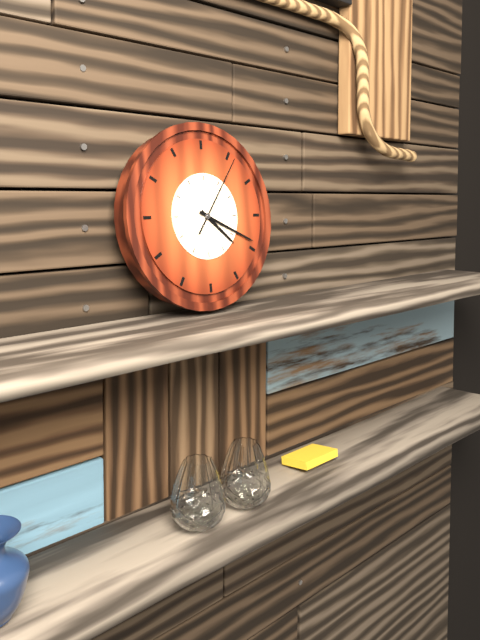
4:19:06
